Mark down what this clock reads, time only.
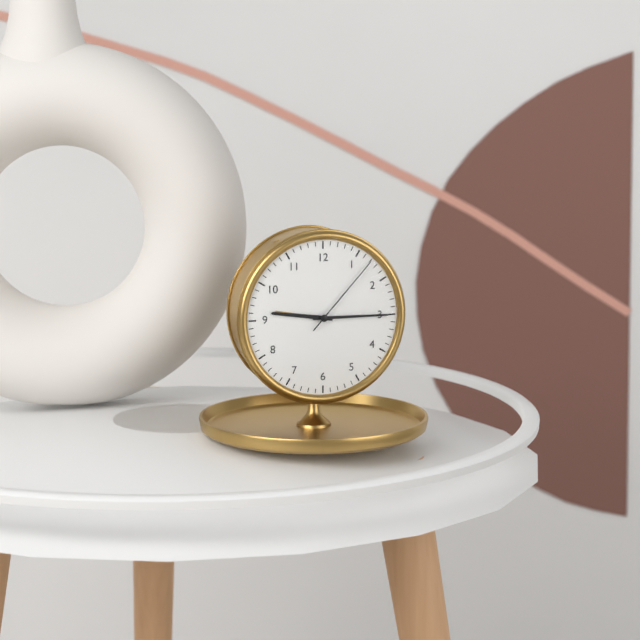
9:15:07
